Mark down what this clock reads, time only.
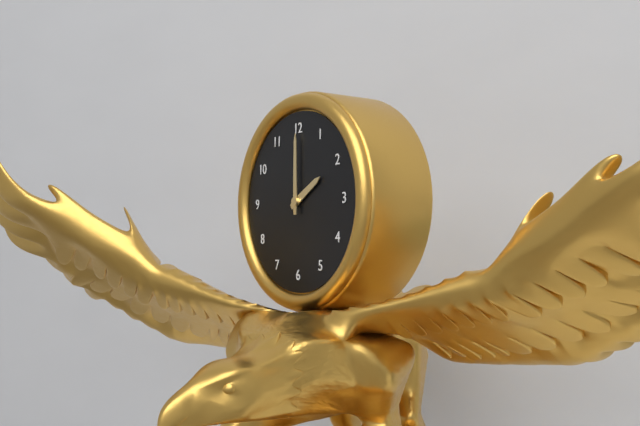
2:00
